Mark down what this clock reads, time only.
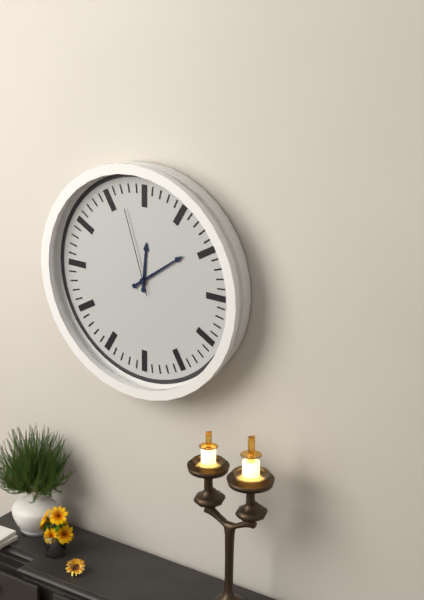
12:09:57
